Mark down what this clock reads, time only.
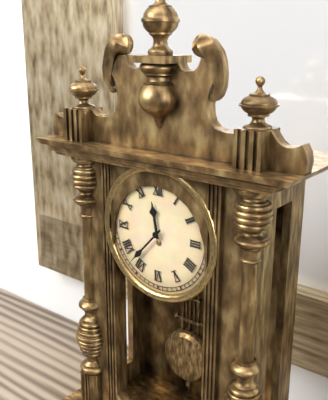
11:37
